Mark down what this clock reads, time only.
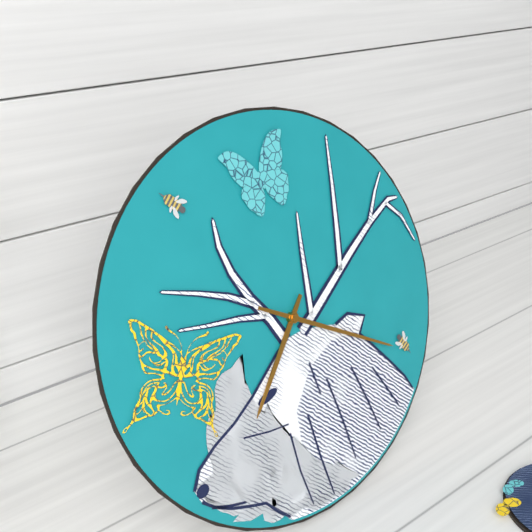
7:20
